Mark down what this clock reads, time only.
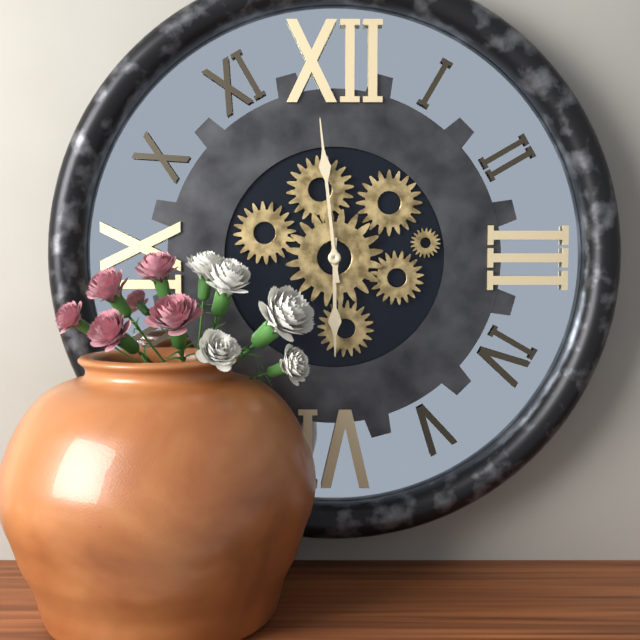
5:59
